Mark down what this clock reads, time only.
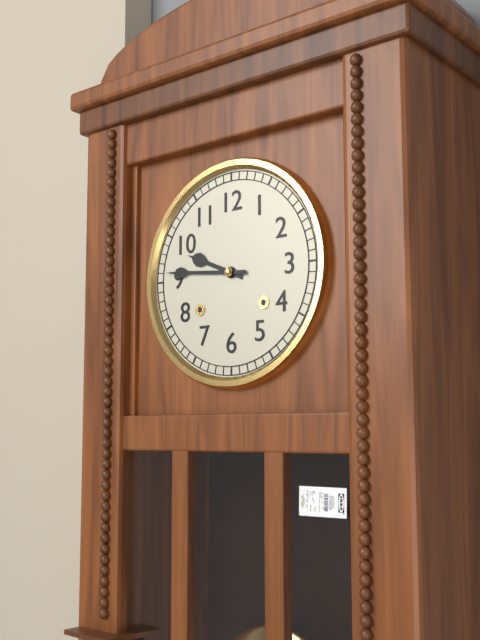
9:46
